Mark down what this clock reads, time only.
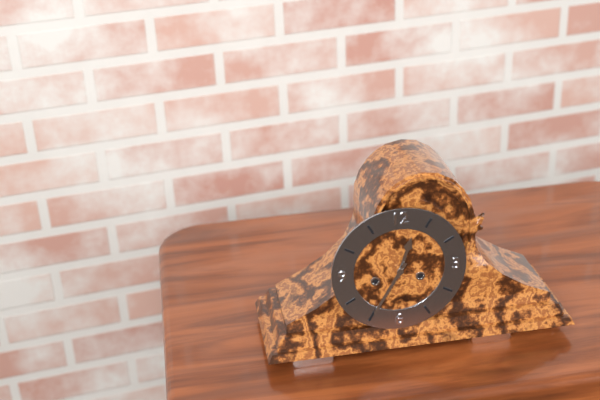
12:35
